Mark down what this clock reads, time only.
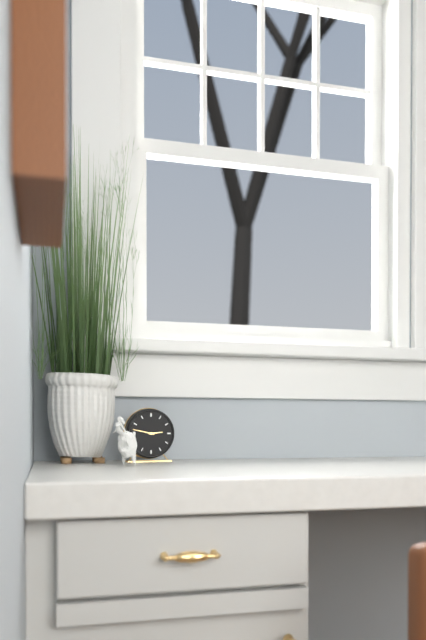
2:47
